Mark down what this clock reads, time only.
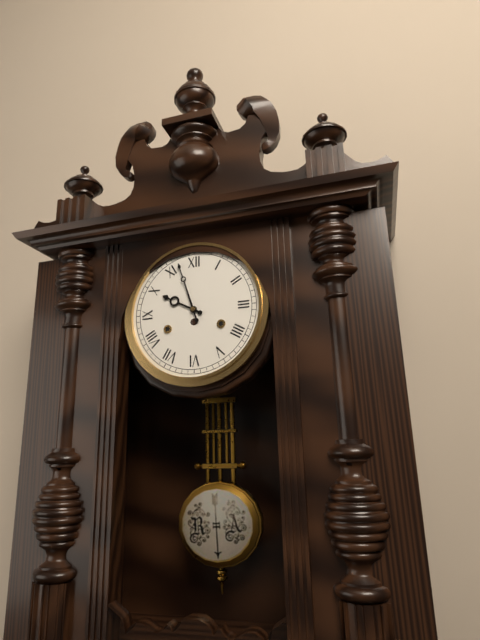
9:57
